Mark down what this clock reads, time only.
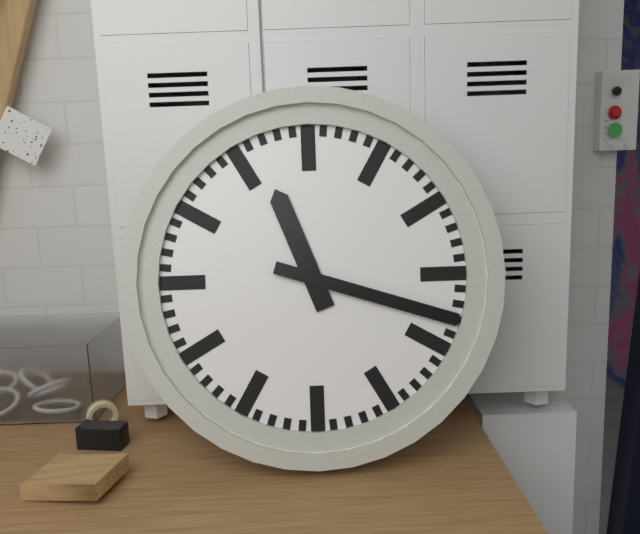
11:18
